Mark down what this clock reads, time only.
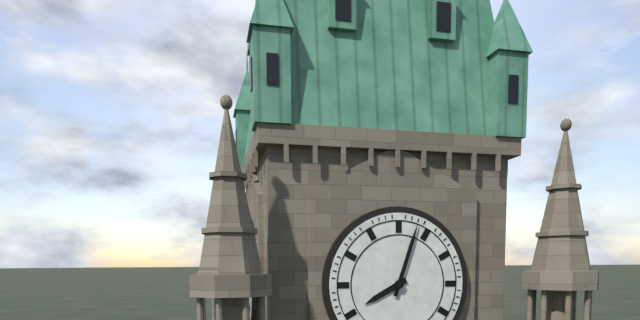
8:03
